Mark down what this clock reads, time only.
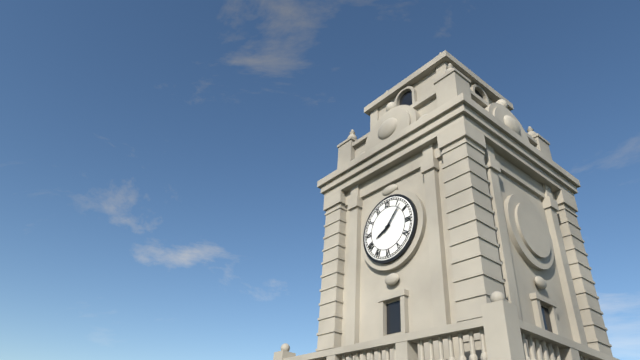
8:07
